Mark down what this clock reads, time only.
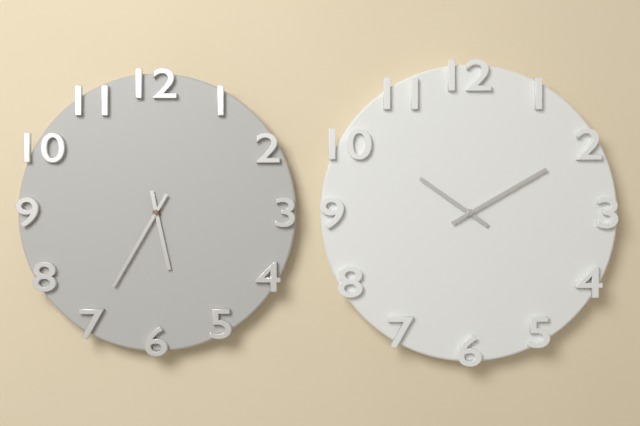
5:35
